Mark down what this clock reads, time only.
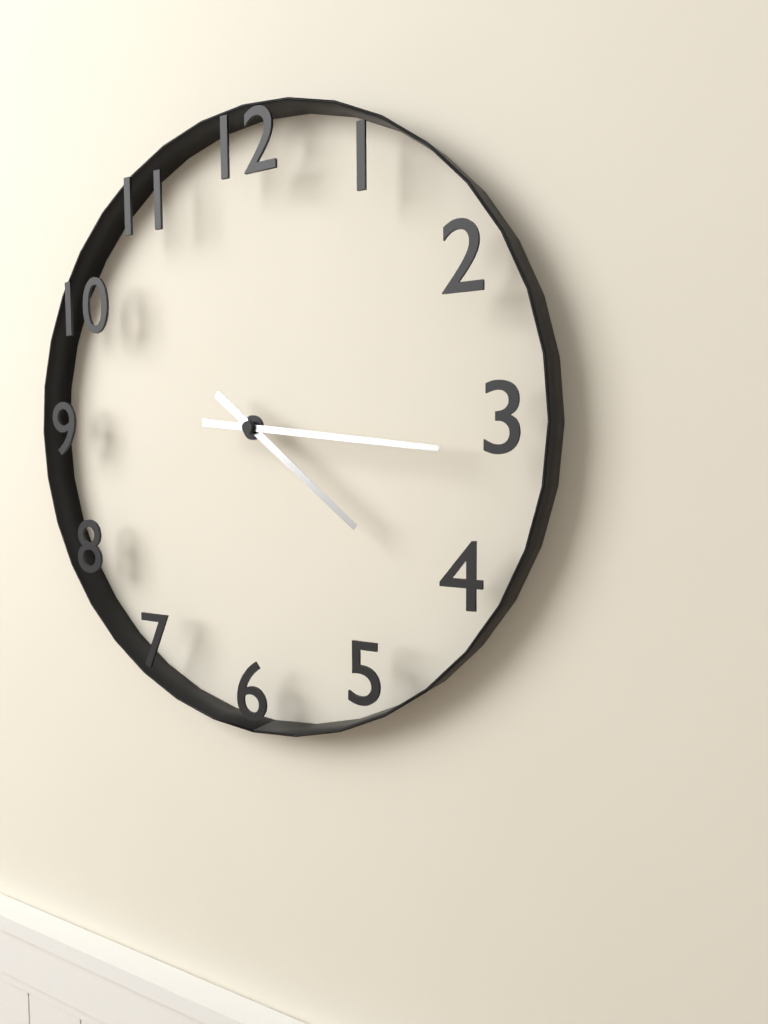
4:16
